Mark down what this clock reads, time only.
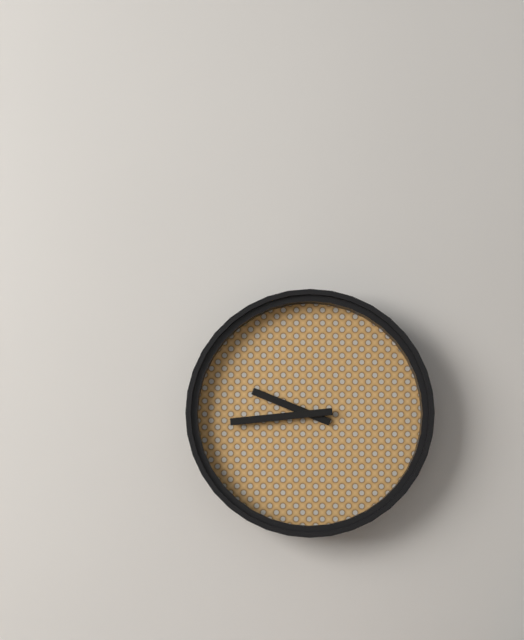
9:44
